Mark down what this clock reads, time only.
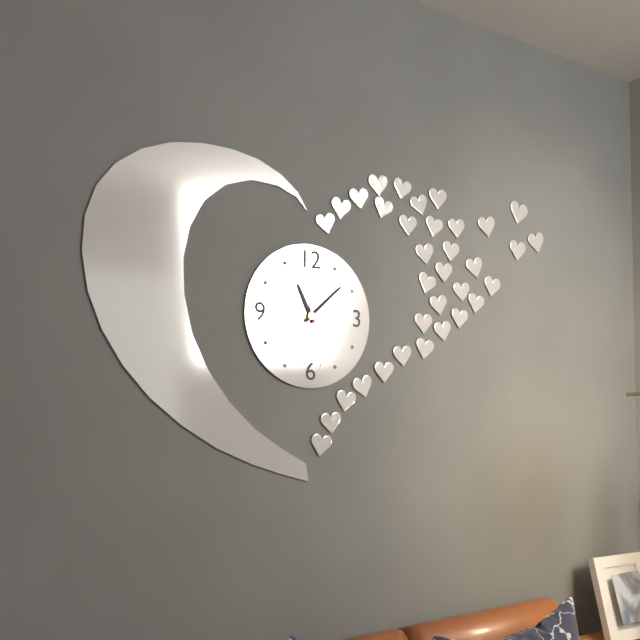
11:08:28
